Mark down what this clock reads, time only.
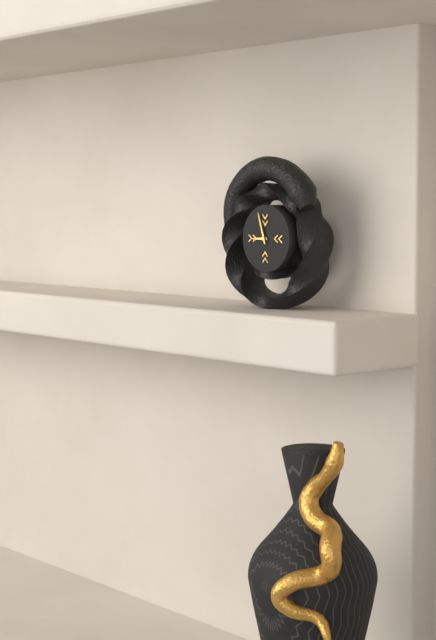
8:57
